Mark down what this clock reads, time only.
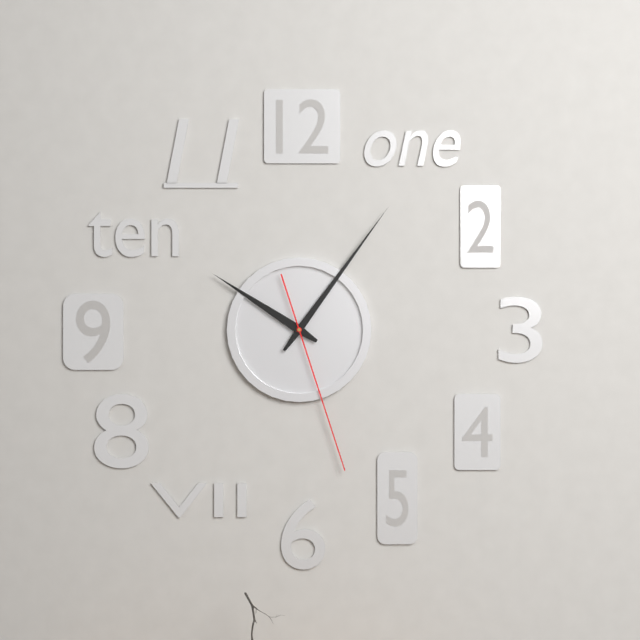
10:06:27
